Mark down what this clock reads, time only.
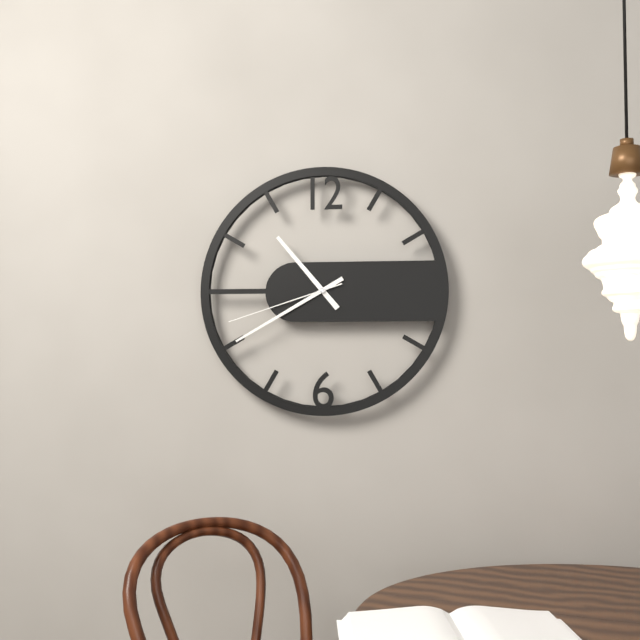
10:40:42
